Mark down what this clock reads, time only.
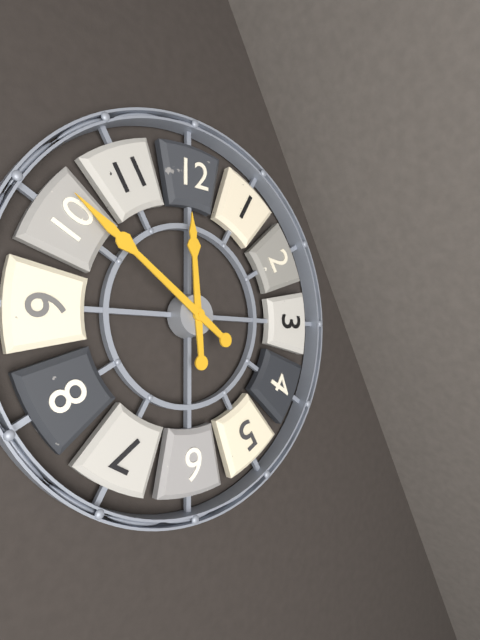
11:51
